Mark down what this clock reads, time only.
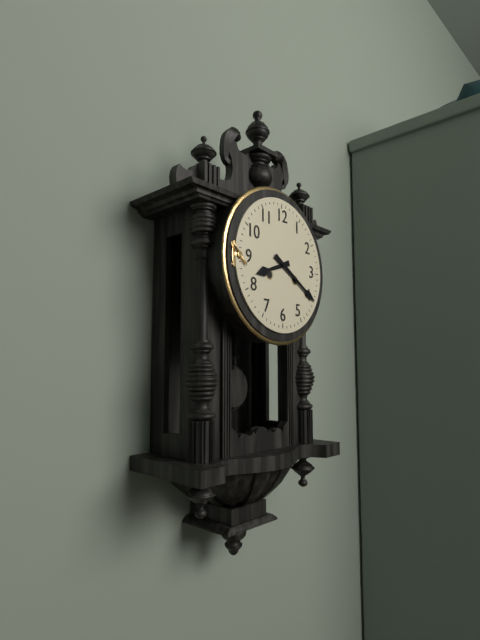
8:20
